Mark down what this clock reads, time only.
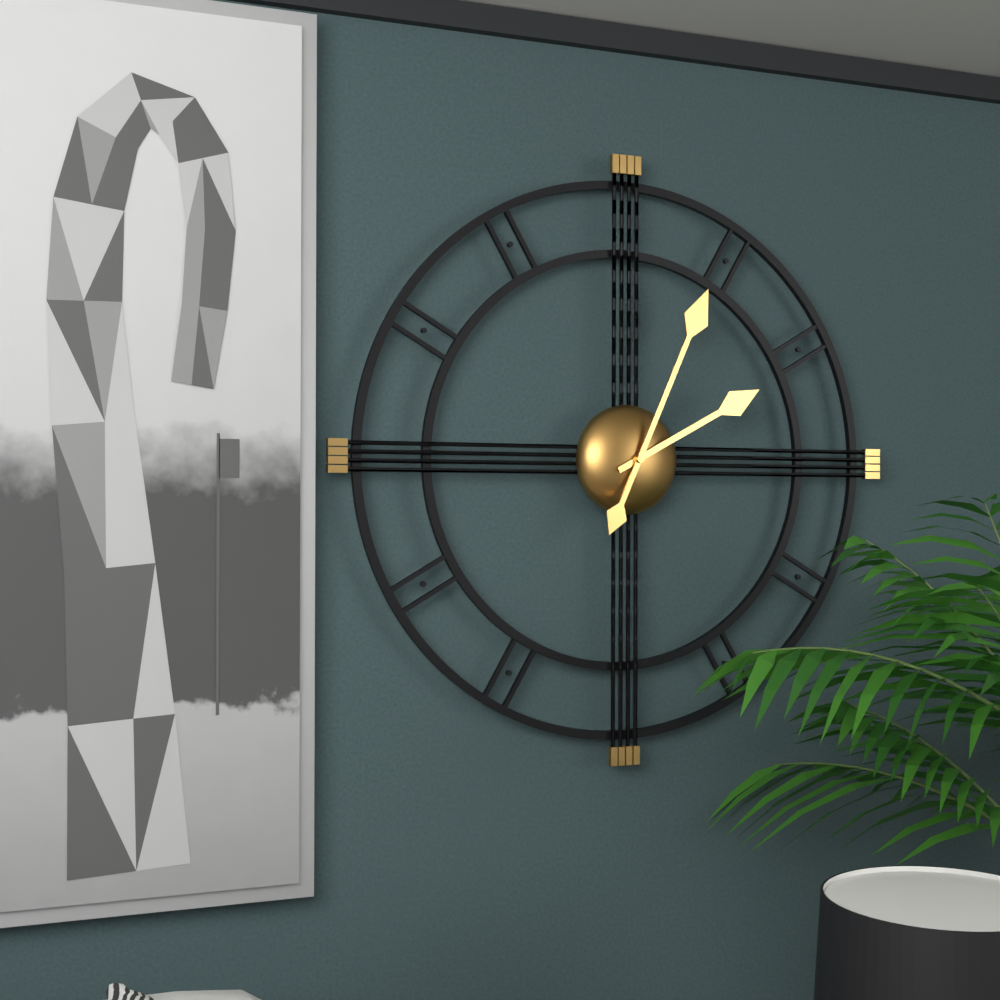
2:04
